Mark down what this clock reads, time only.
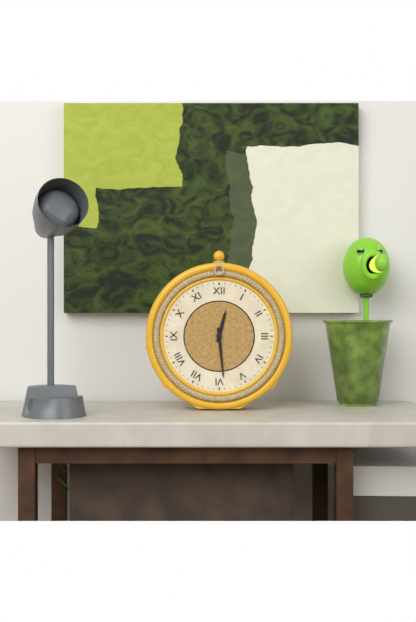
12:29
